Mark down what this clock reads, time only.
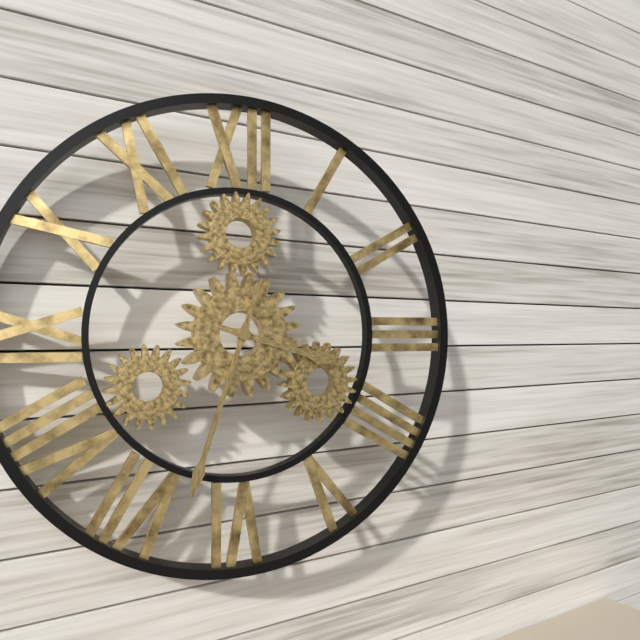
3:33
